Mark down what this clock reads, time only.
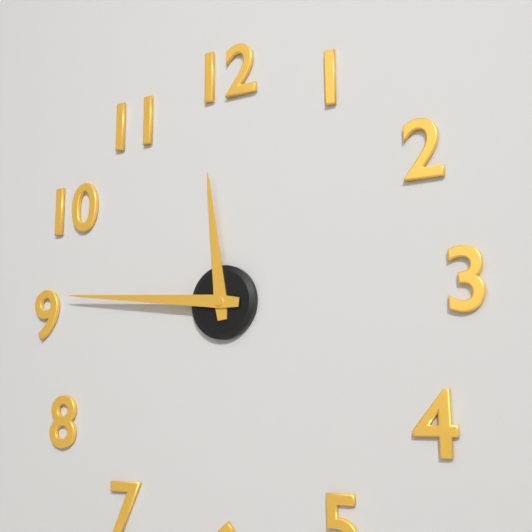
11:46
